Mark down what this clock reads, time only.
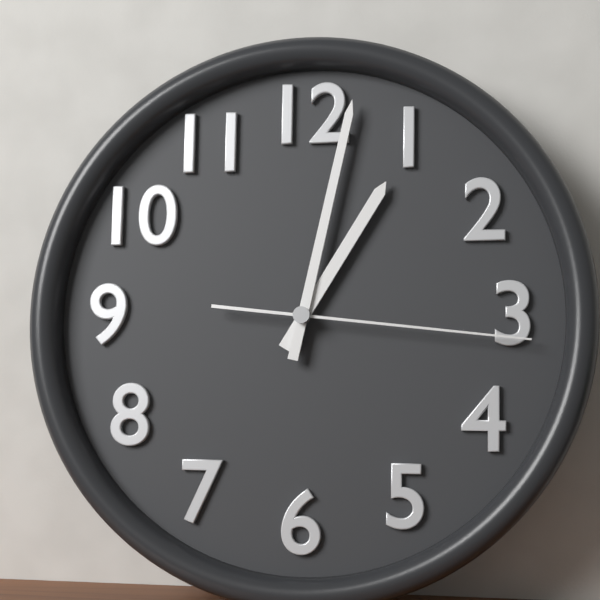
1:02:16
